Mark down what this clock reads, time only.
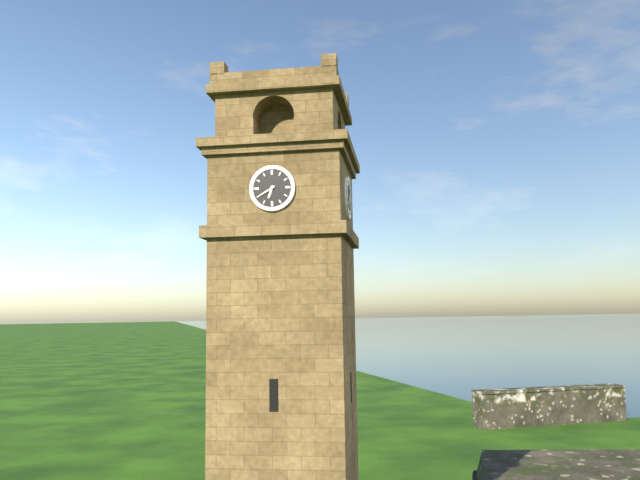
6:40
